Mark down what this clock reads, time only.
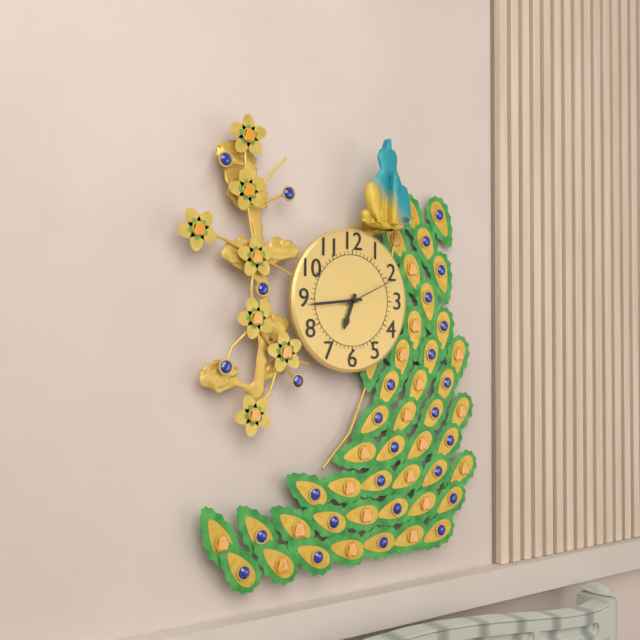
6:44:11
